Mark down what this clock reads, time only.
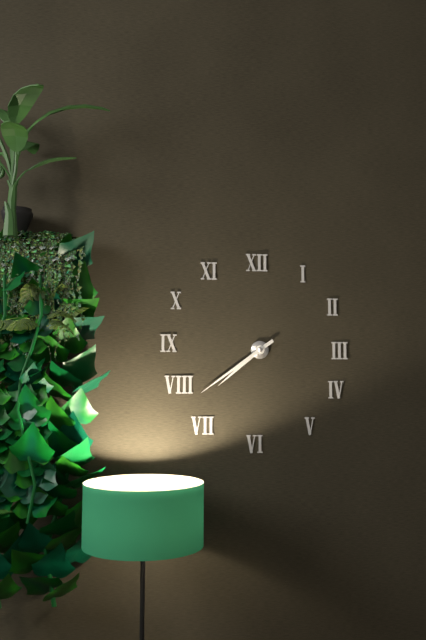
7:39
